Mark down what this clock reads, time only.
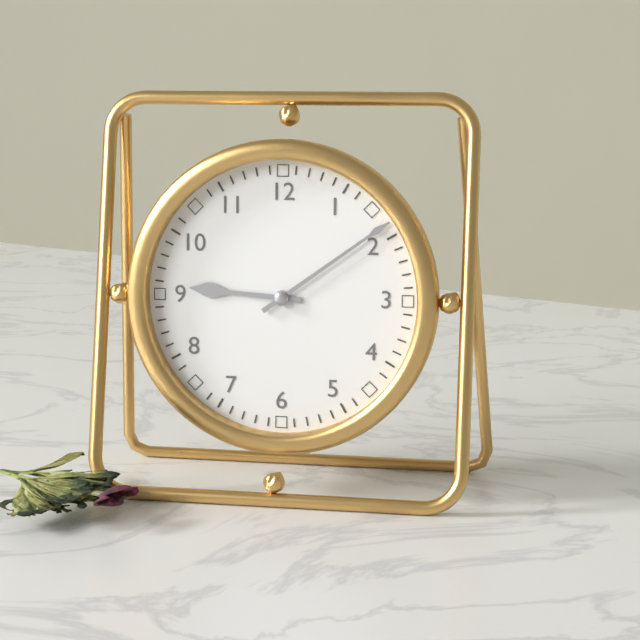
9:09
